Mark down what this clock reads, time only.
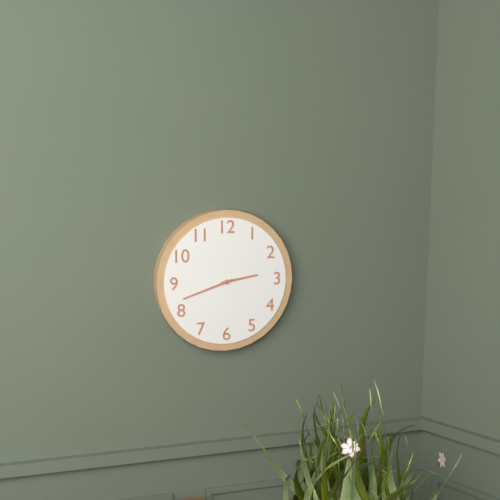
2:42
